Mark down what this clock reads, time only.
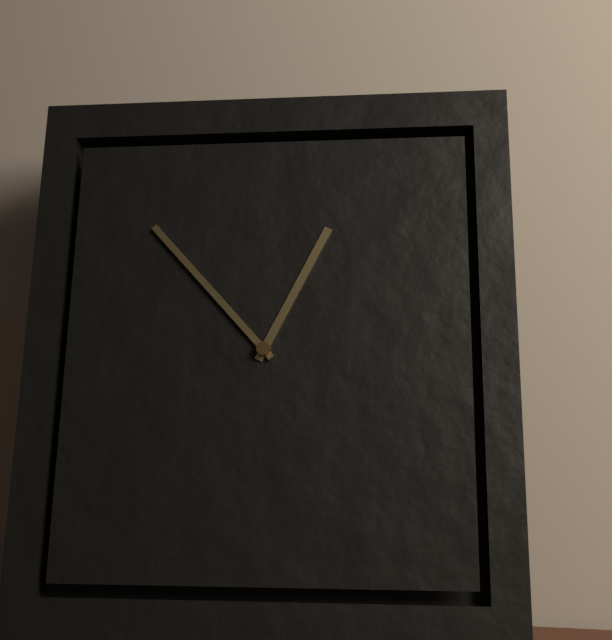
12:53
